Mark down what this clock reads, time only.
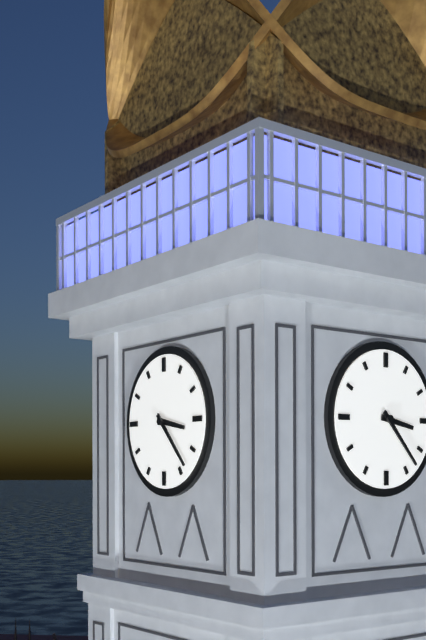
3:23
